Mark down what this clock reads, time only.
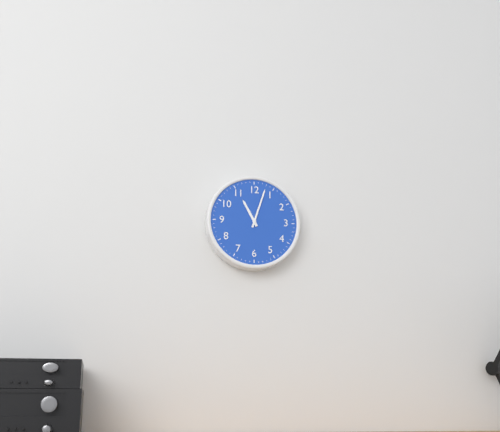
11:03
